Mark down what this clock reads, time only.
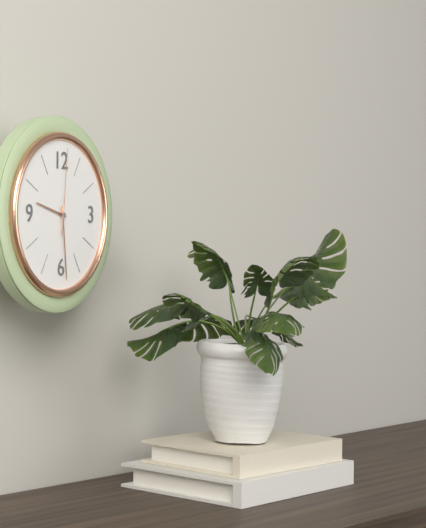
9:29:01
